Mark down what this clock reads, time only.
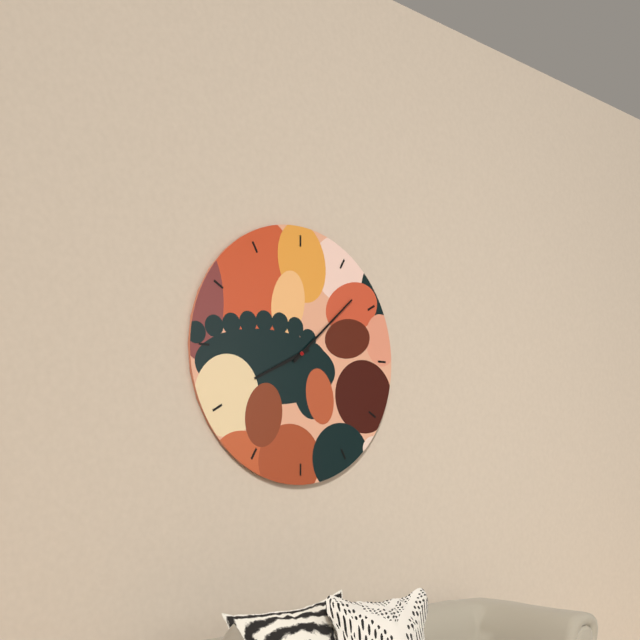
8:08
